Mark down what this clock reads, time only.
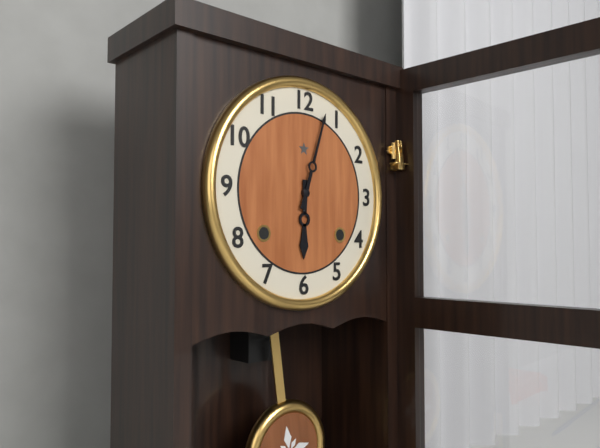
6:03
